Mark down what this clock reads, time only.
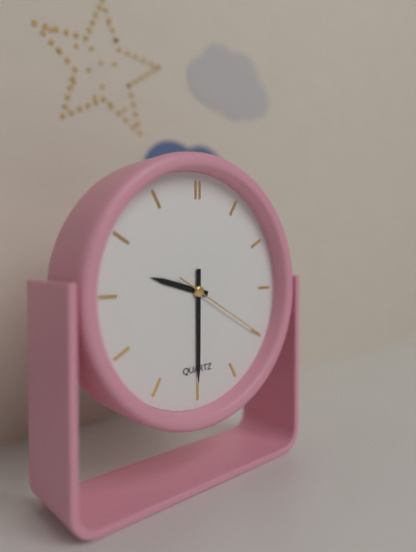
9:30:20
